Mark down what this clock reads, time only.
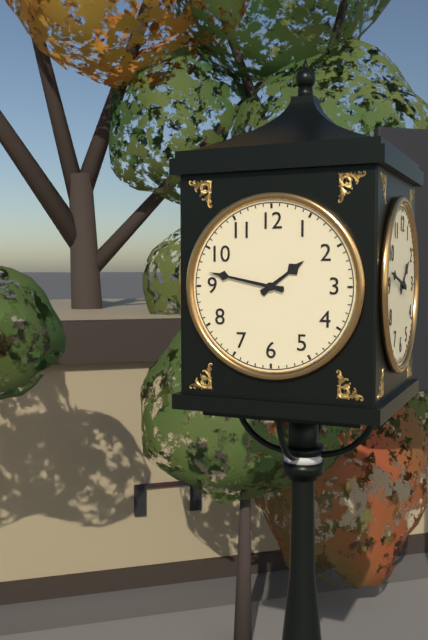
1:47
